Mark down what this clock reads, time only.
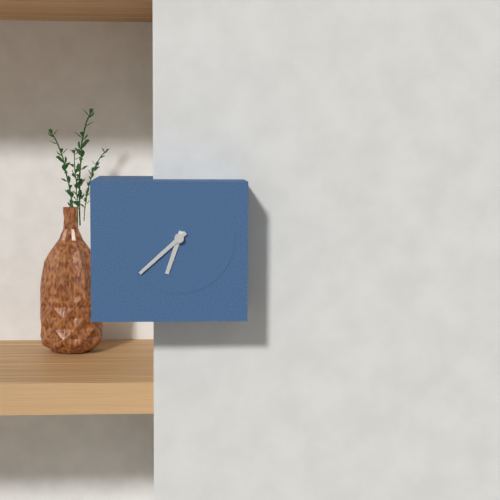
6:38
